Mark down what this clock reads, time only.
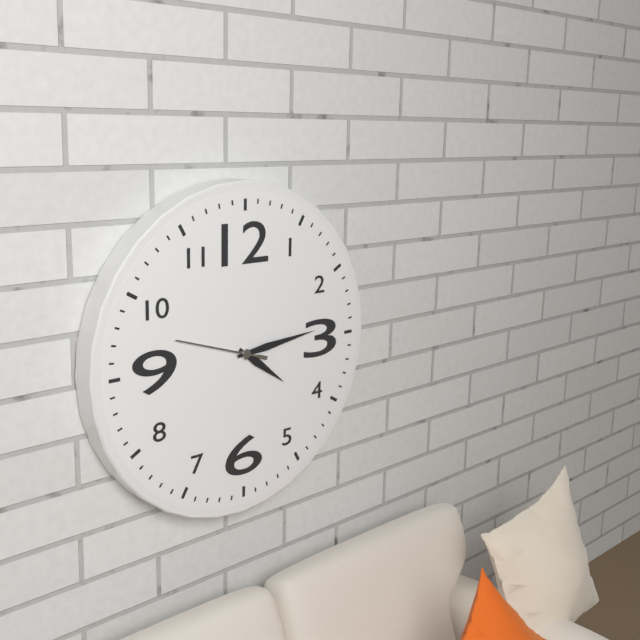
4:14:48
